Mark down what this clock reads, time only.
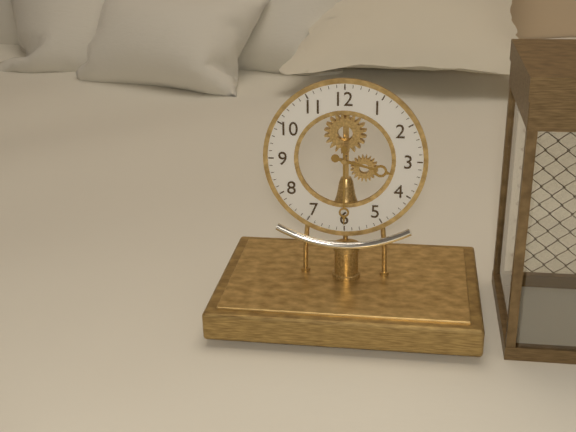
3:30
